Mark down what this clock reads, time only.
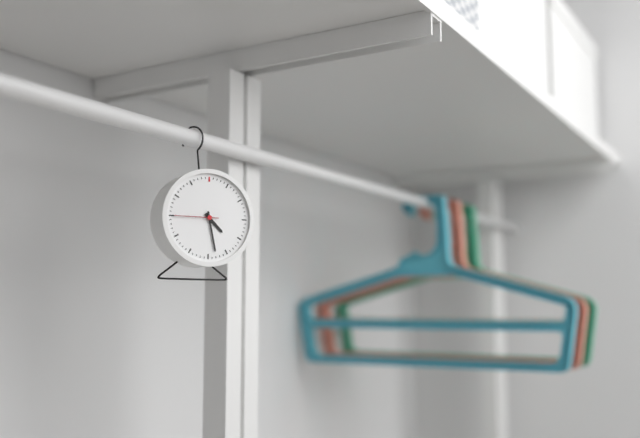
4:28
